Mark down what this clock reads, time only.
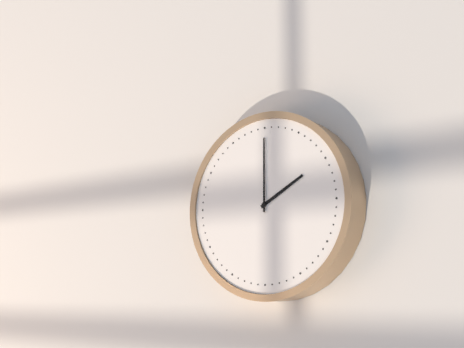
2:00
